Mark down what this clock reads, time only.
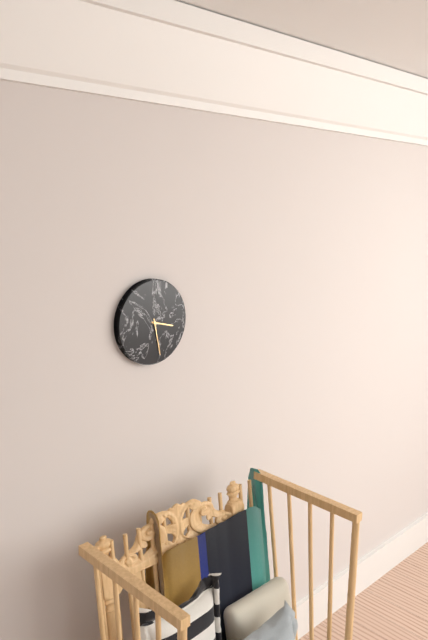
3:28
